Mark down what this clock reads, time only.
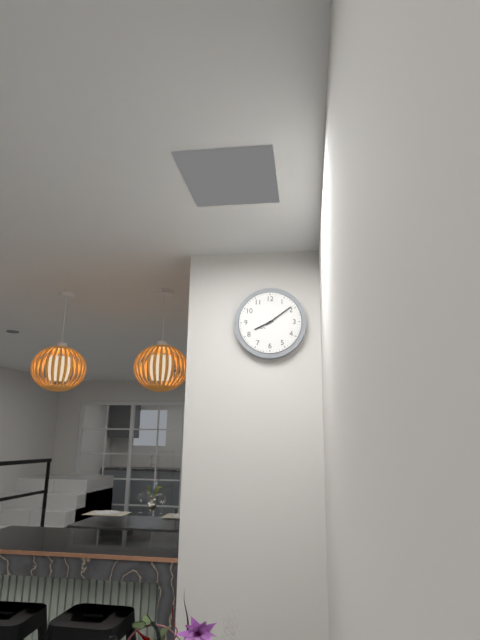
8:09
